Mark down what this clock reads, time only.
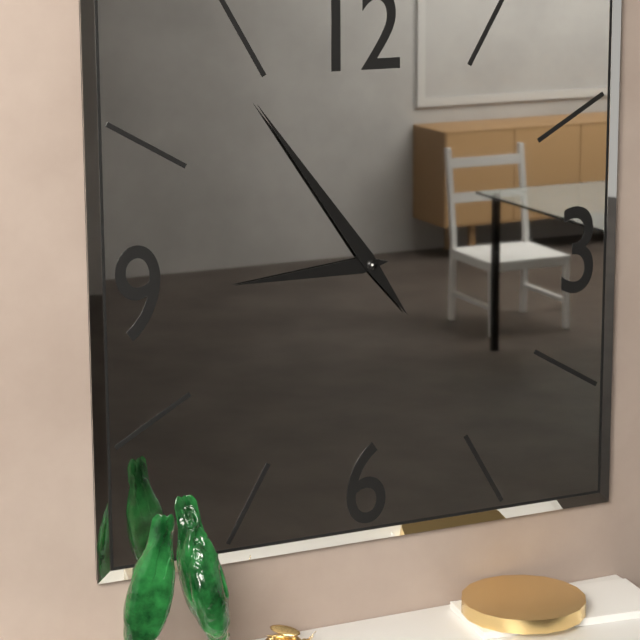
8:54
